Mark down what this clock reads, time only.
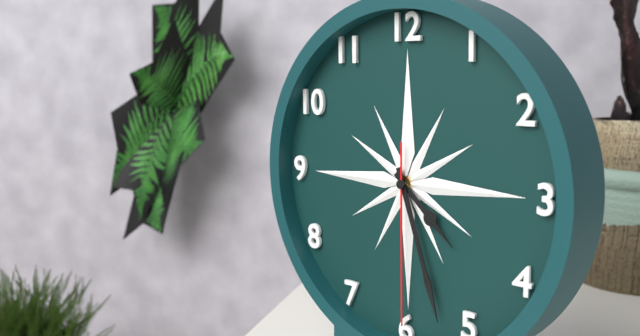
4:27:30
